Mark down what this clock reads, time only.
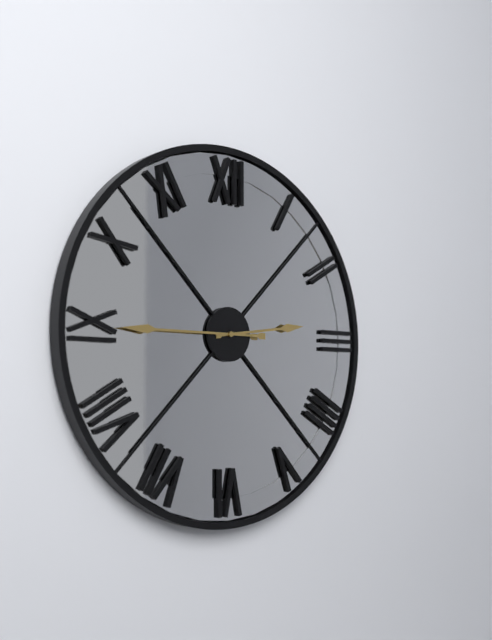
2:45
